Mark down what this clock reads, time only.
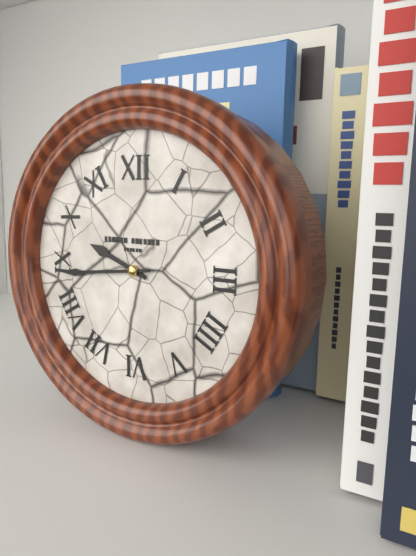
9:44
